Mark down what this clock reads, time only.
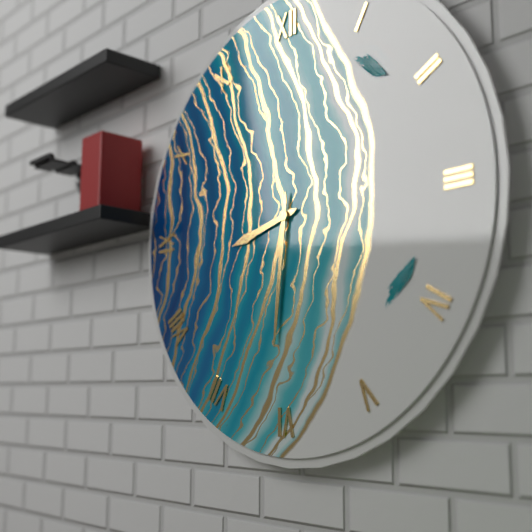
8:31
